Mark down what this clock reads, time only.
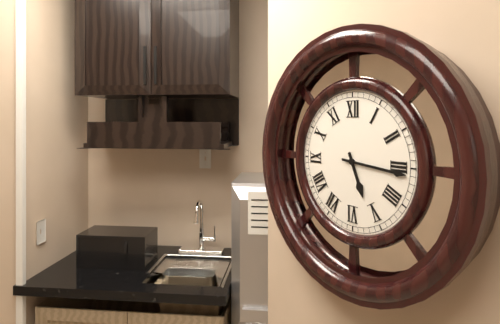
5:16
